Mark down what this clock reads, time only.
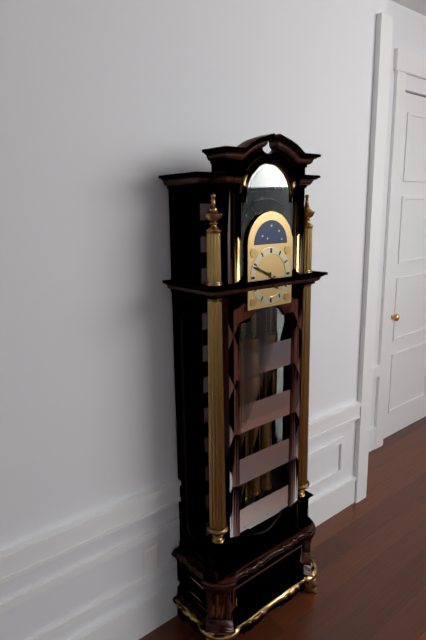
4:49
